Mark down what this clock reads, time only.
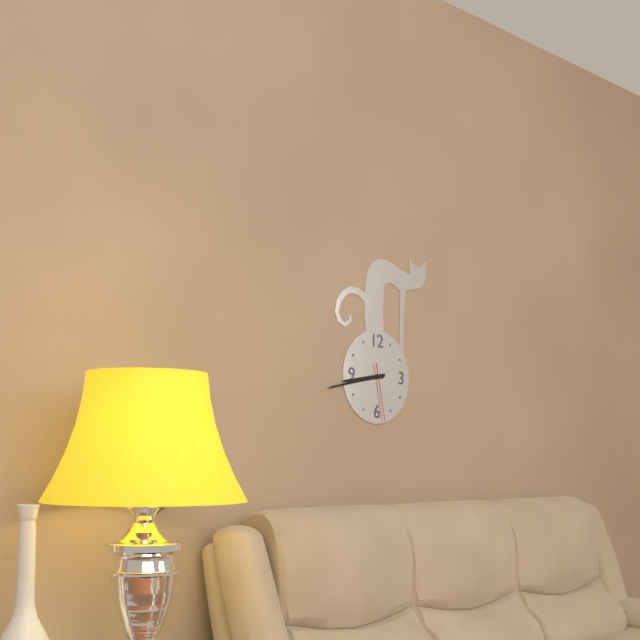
8:43:28
